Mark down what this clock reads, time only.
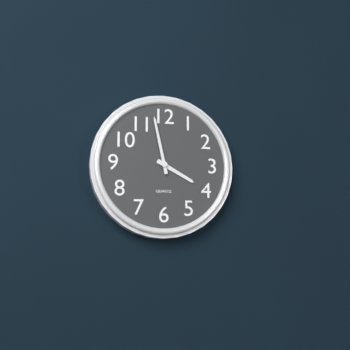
3:58
